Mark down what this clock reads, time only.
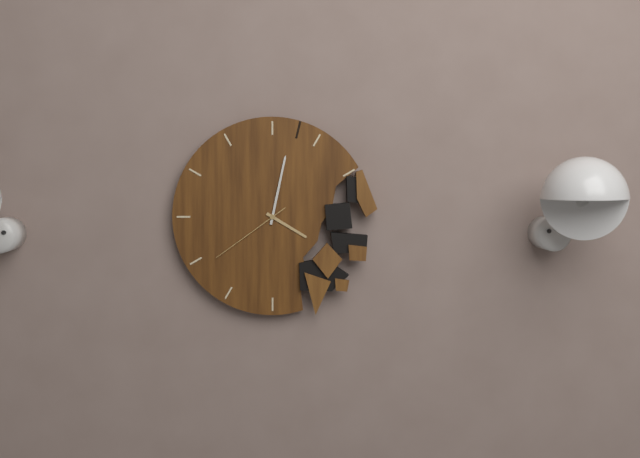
4:02:39
